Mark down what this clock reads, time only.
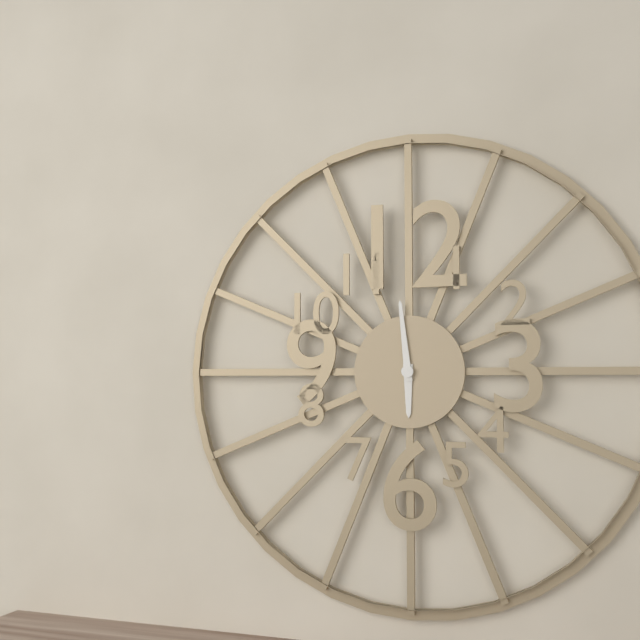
5:59
